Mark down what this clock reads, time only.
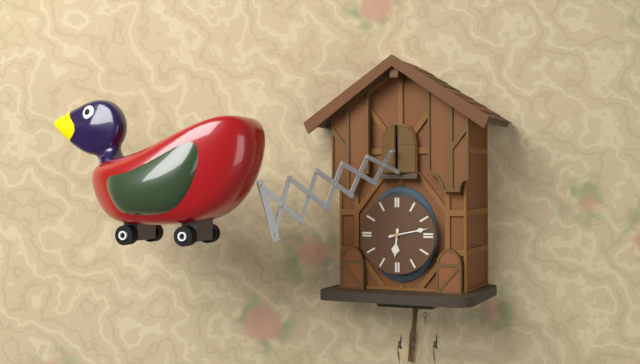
6:13
